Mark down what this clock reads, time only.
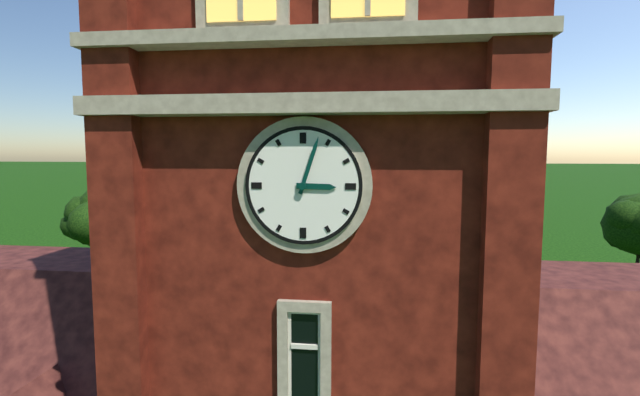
3:03
